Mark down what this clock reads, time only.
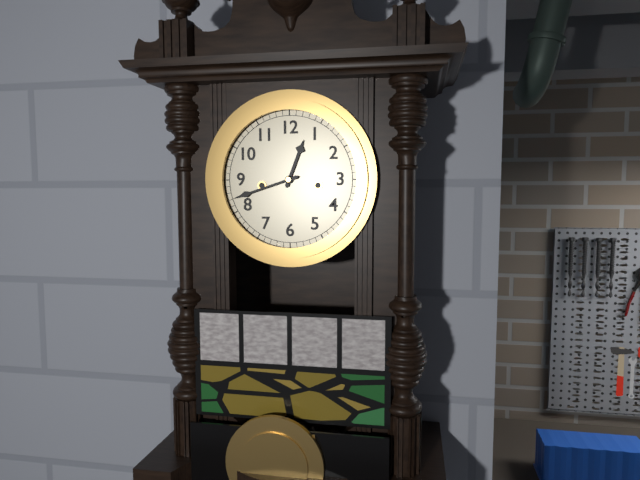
12:42
